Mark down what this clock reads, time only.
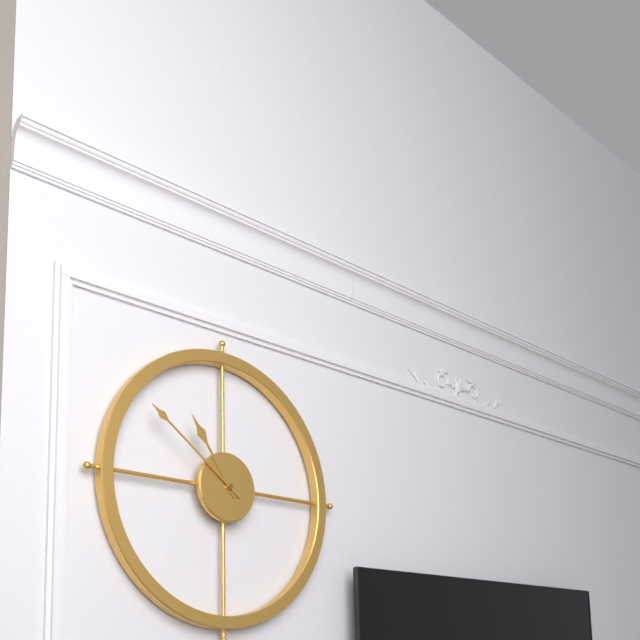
10:51
